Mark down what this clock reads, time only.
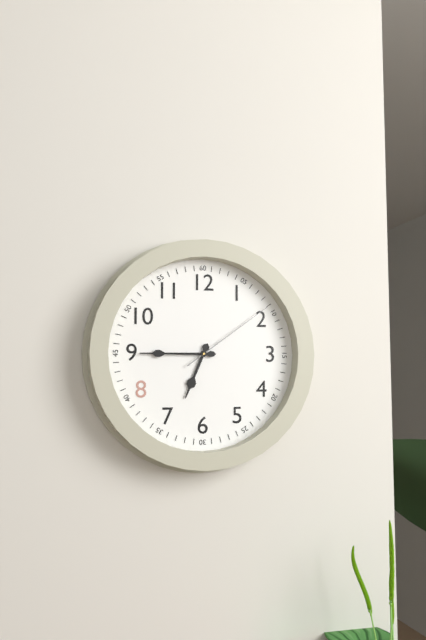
6:45:09
